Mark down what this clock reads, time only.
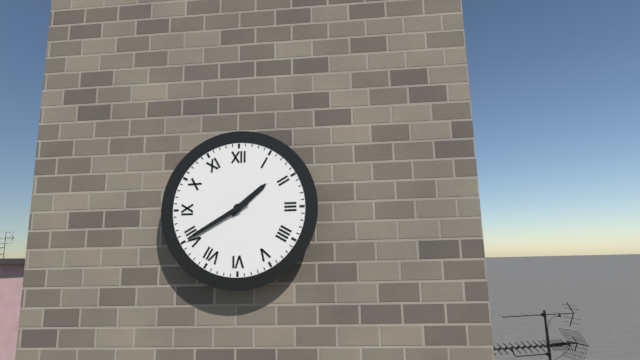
1:40
